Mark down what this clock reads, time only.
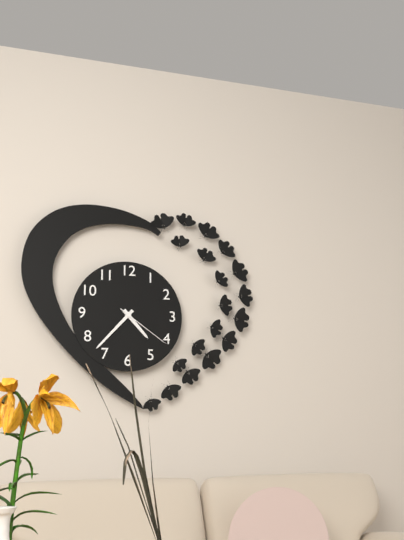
4:37:21
